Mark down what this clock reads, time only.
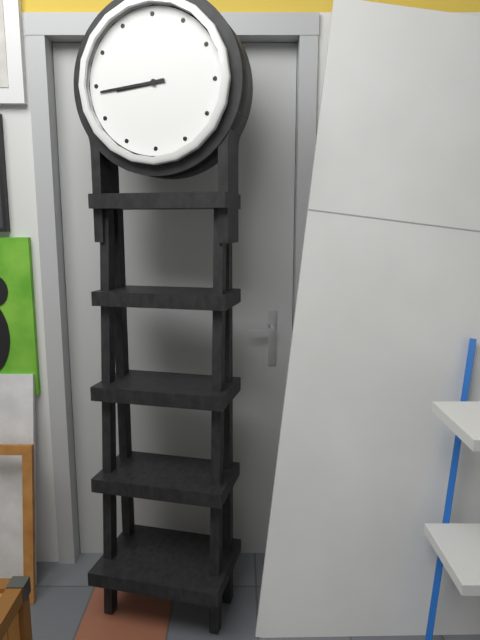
8:44
